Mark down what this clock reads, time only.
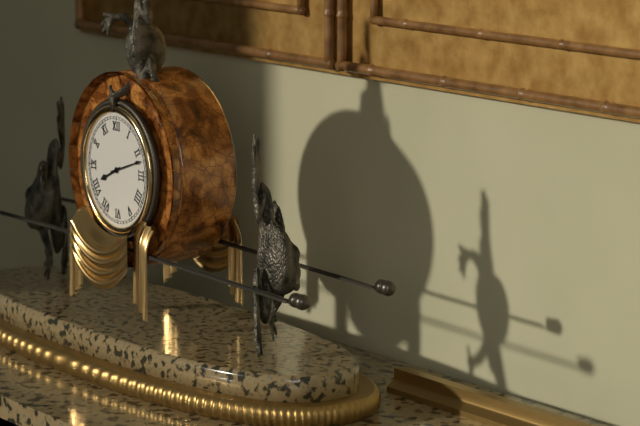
8:12
